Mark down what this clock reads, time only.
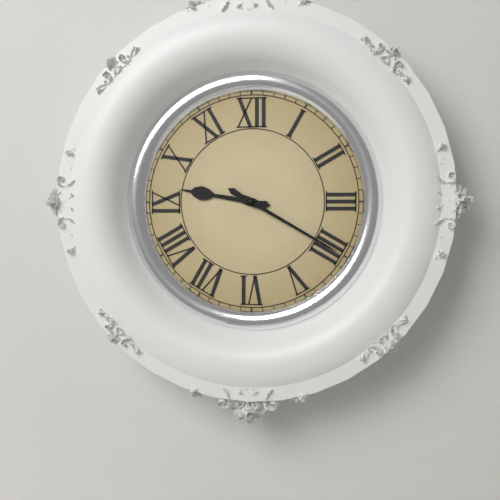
9:20
